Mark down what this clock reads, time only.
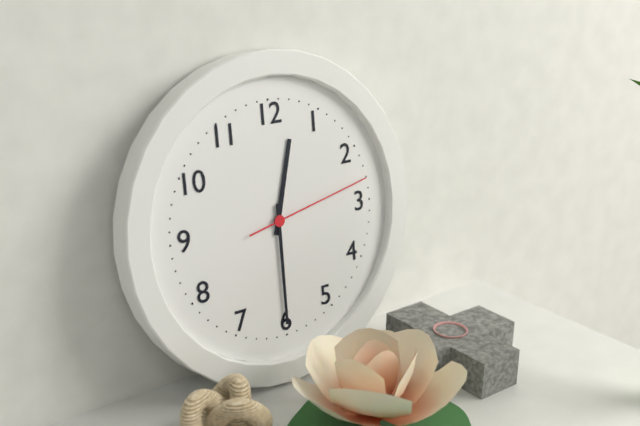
12:30:13
